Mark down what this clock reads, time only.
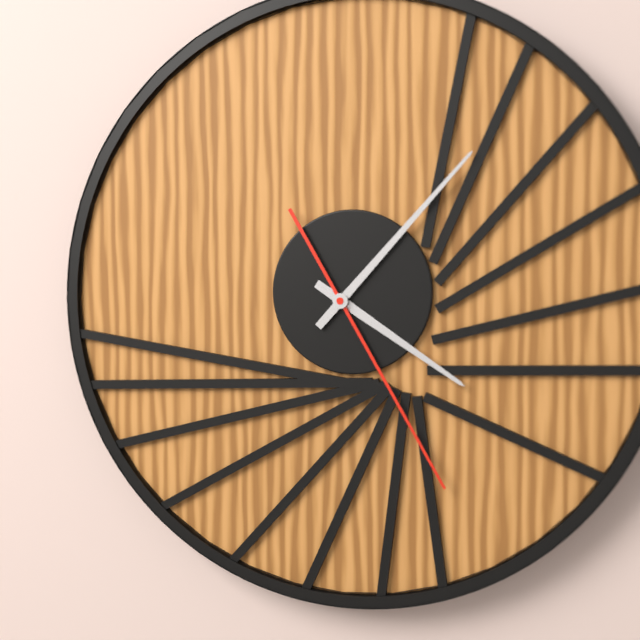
4:07:25
